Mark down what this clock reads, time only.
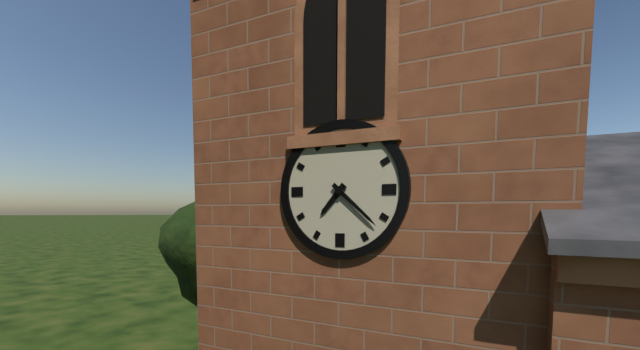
7:22
